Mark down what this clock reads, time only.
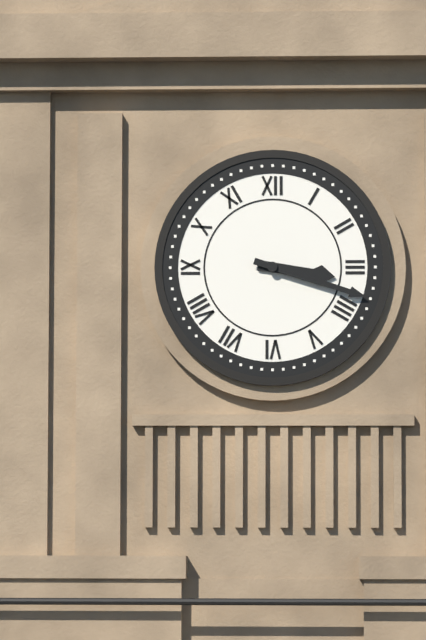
3:18
